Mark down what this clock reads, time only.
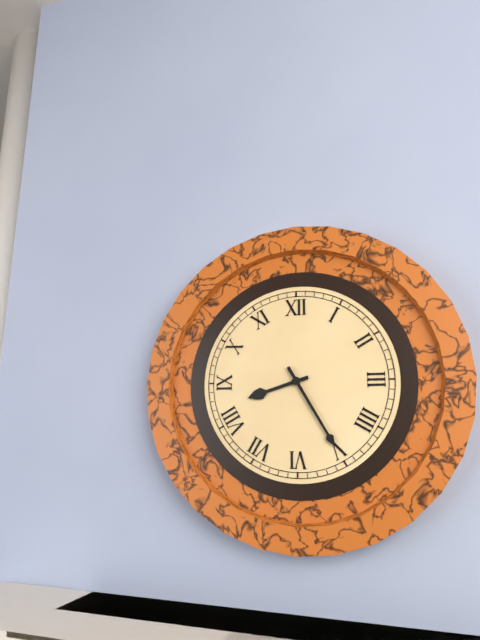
8:25
